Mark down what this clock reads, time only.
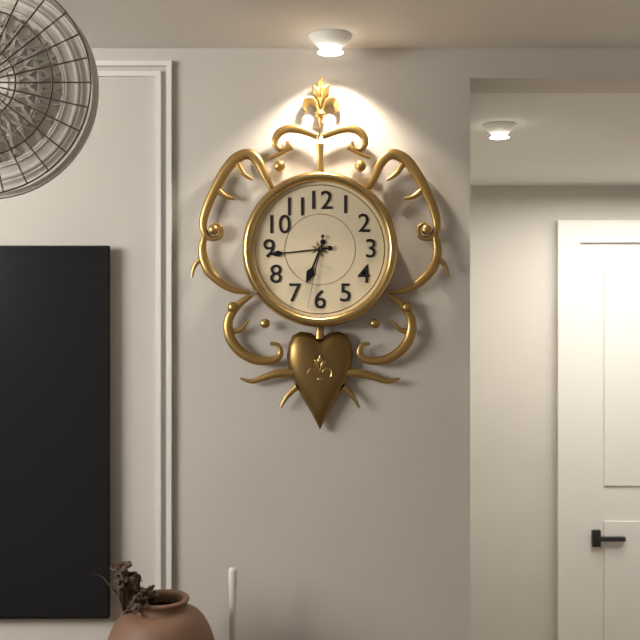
6:44:32
